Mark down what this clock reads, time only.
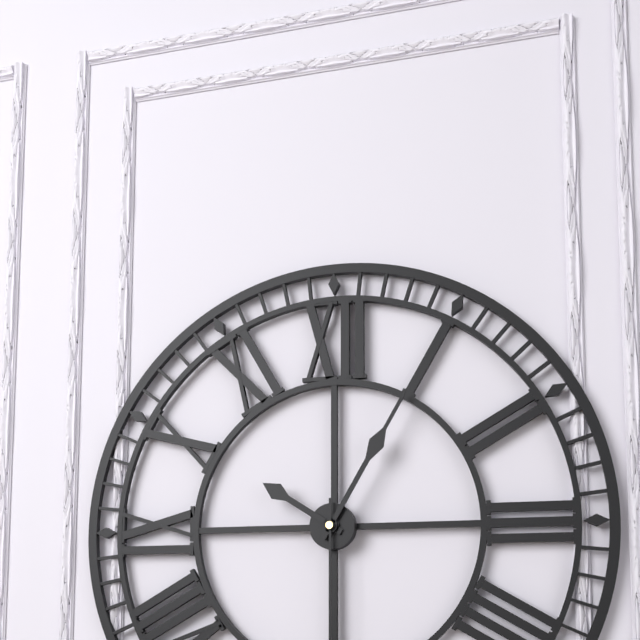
10:05
